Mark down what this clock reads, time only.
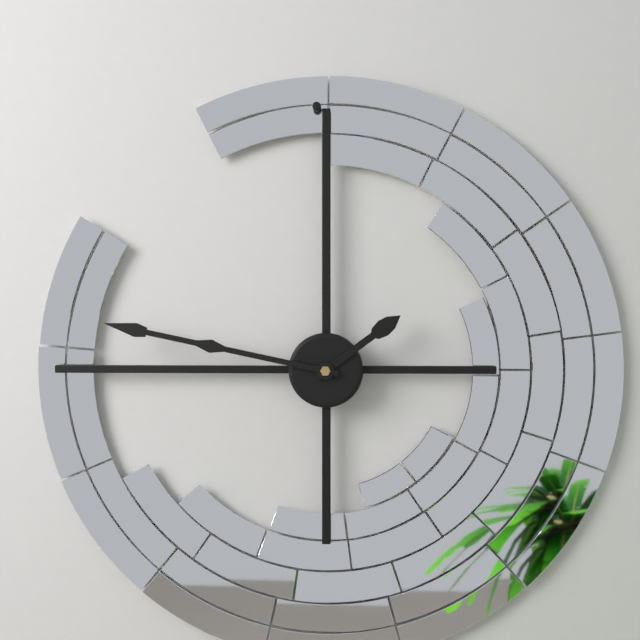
1:47
